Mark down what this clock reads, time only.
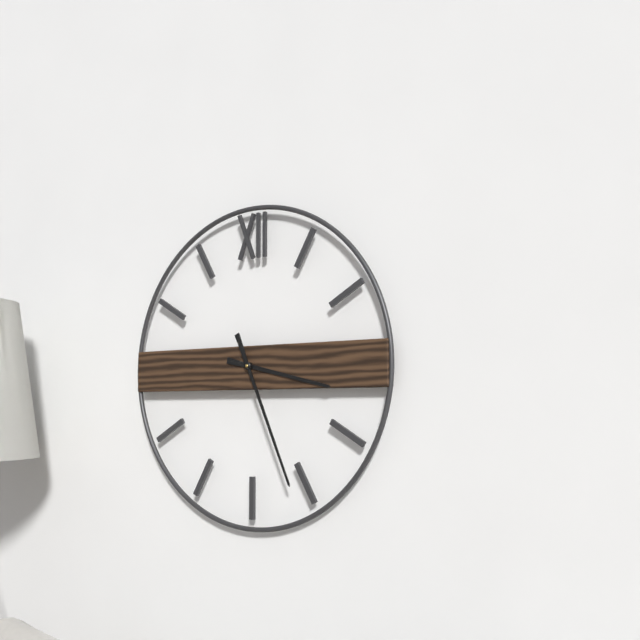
3:26
